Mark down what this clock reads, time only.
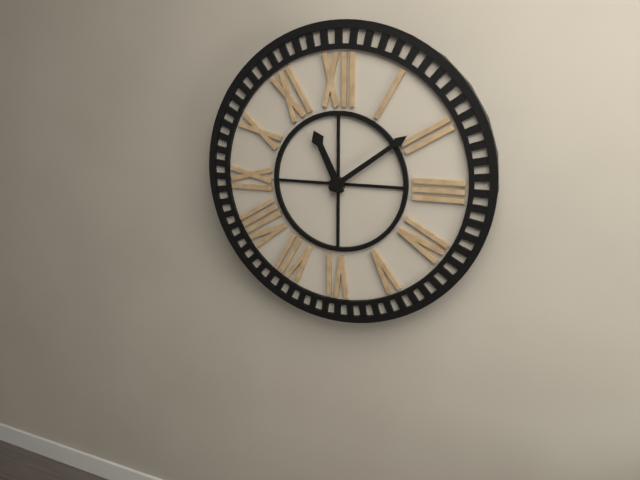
11:09
